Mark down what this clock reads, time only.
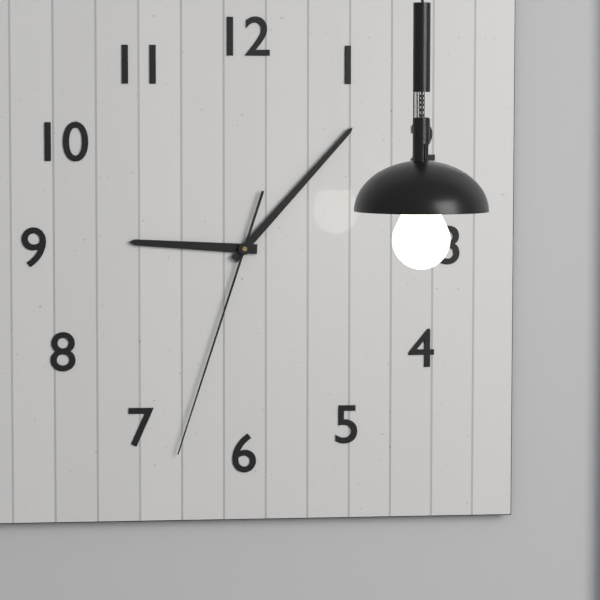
9:07:33
